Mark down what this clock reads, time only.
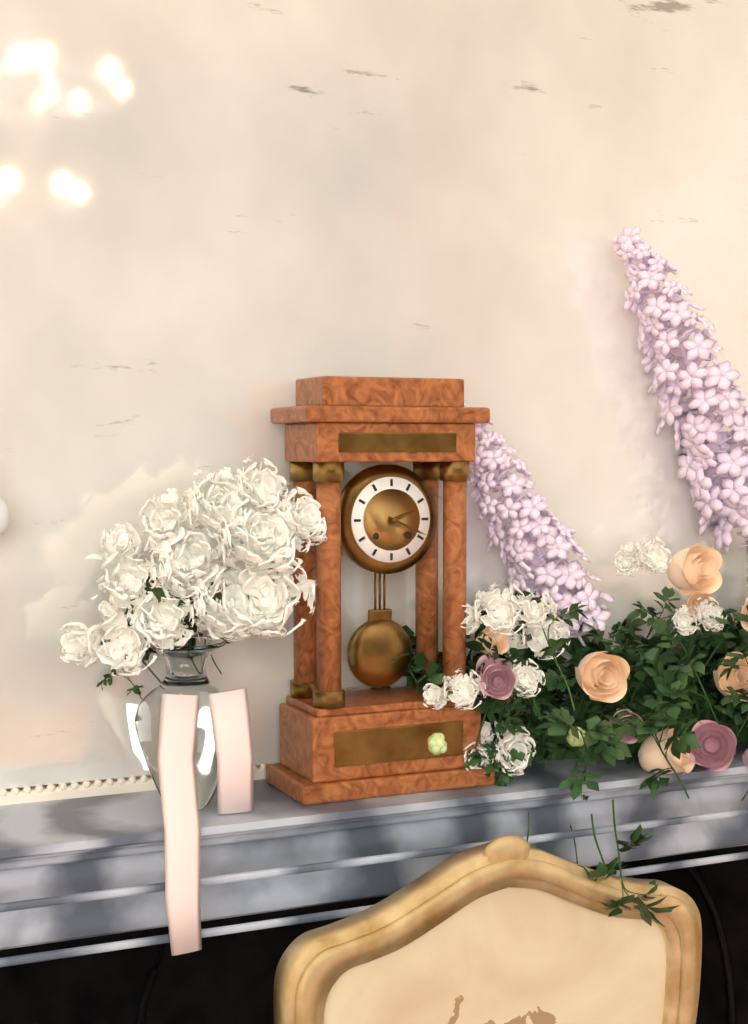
2:19
